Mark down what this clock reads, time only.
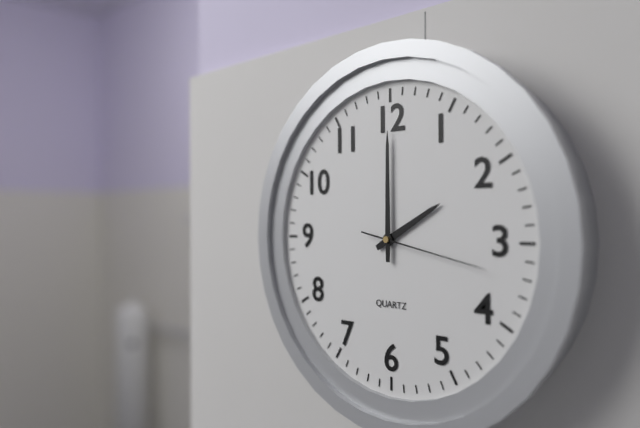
2:00:17
